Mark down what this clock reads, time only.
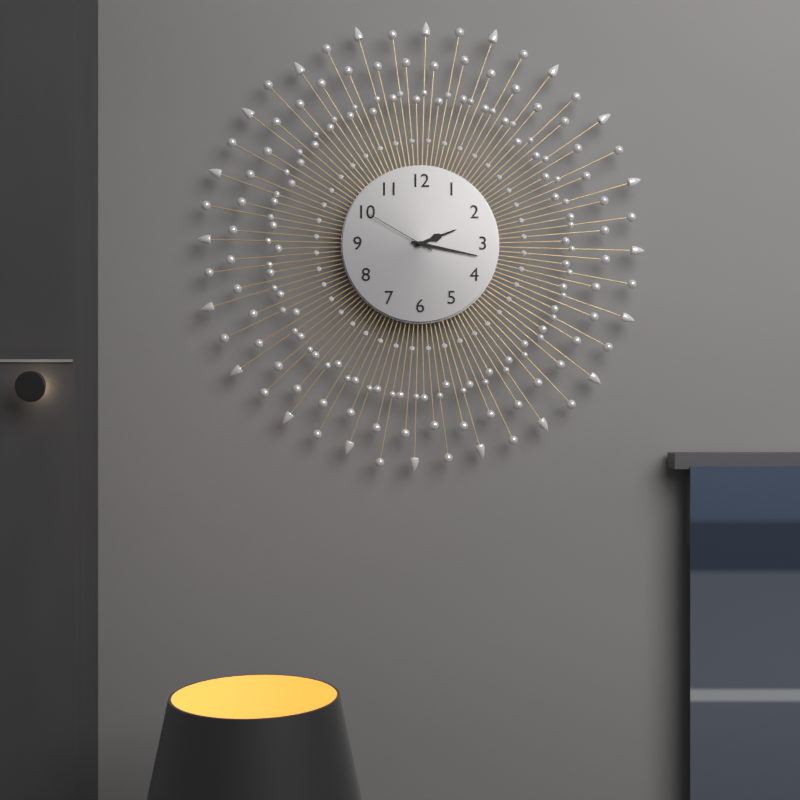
2:17:50
